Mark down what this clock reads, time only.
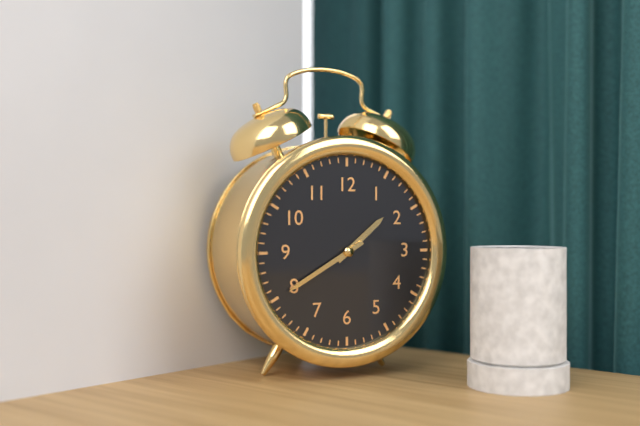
1:40
